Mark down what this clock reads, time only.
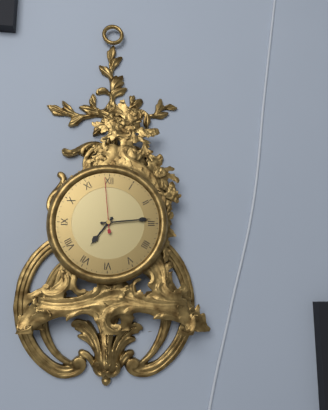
7:14:59
